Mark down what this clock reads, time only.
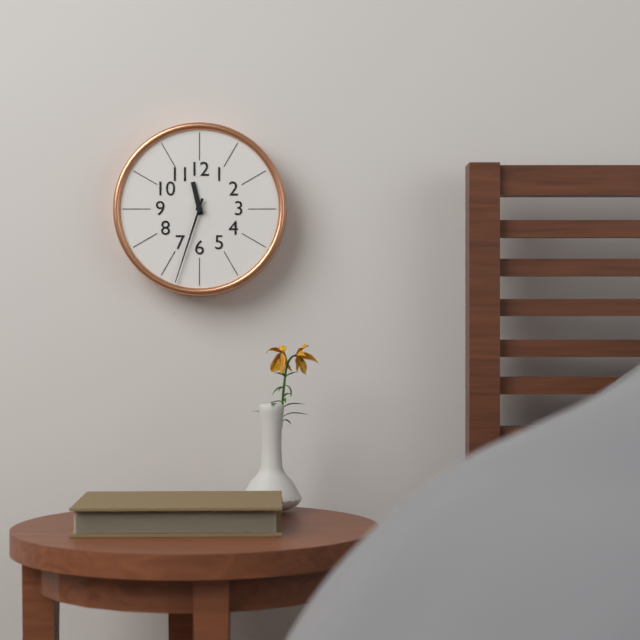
11:33
